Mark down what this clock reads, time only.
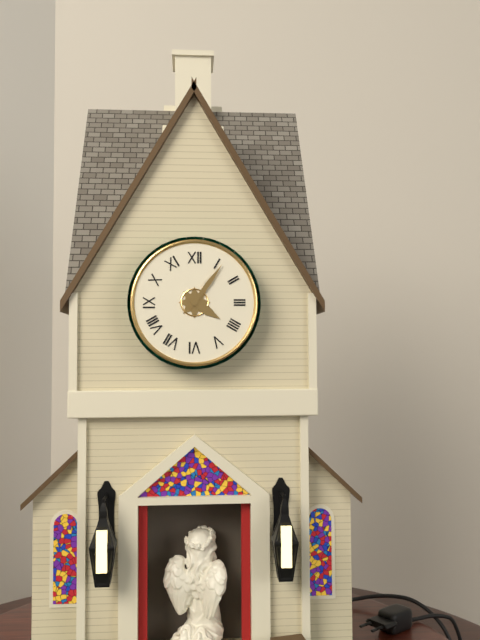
4:06
